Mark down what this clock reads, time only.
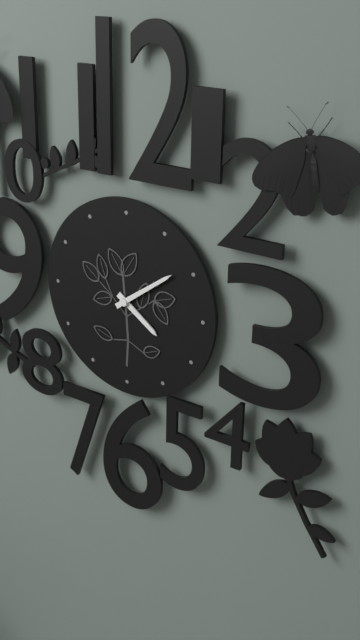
4:09
